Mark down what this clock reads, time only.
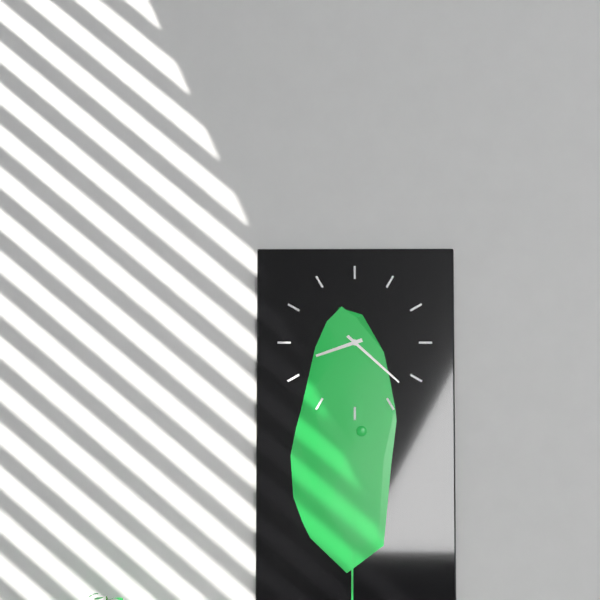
8:22
